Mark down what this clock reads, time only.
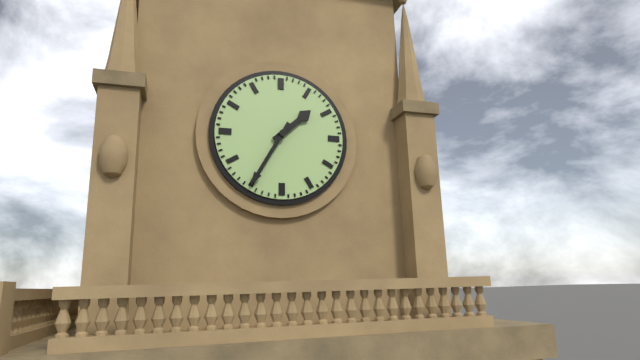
1:35
